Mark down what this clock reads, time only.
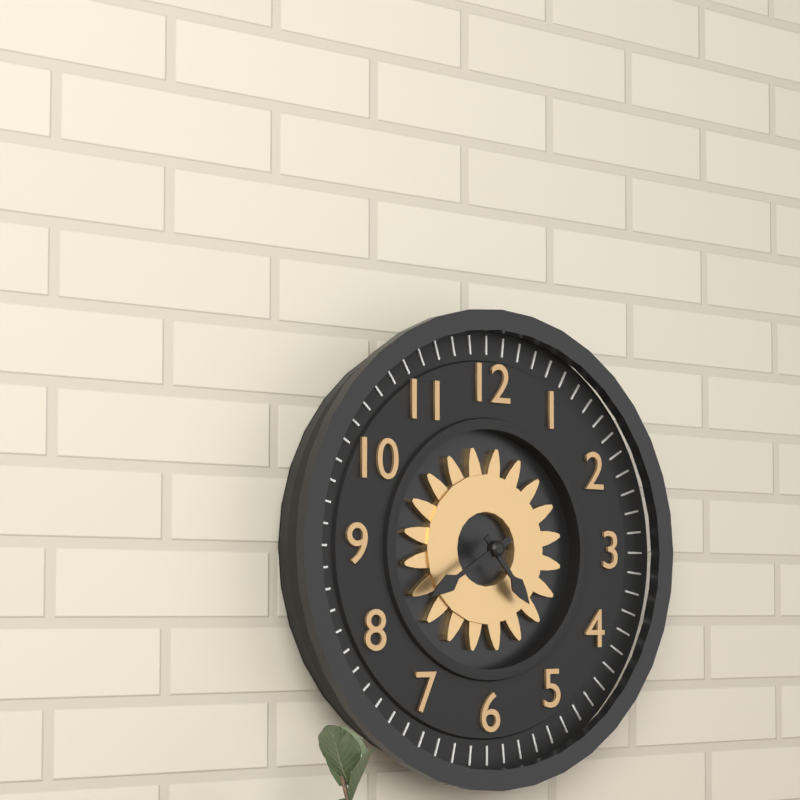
4:40
